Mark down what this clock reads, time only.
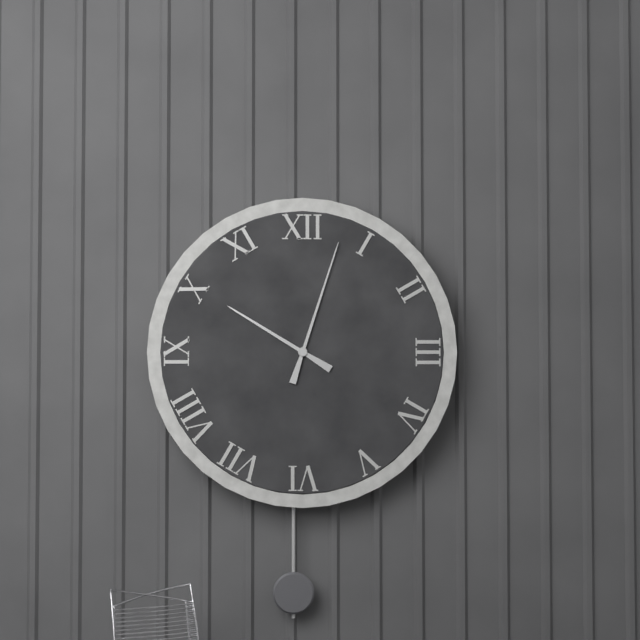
10:03
